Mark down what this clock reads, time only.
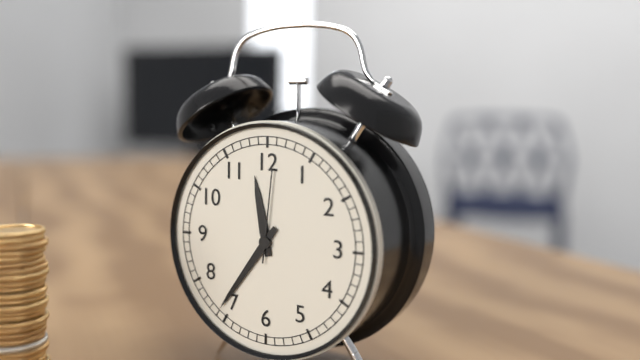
11:36:01
